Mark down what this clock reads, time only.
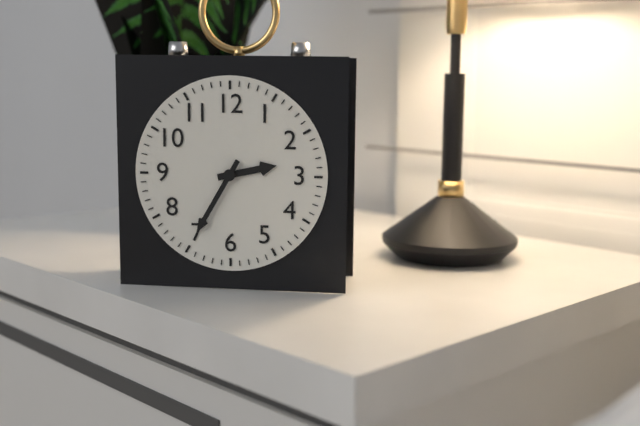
2:35
